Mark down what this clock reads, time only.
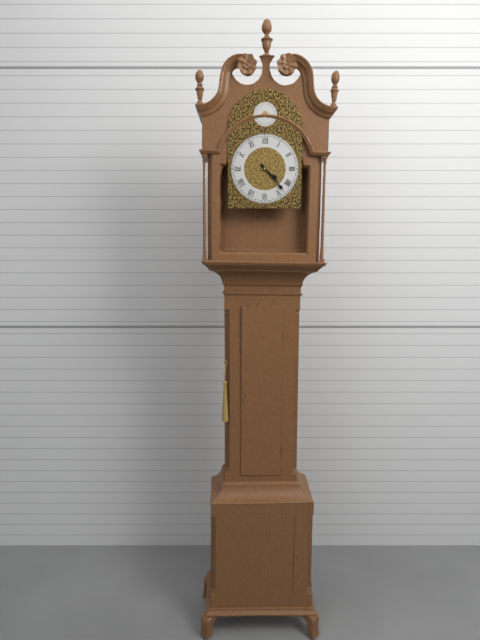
4:23
